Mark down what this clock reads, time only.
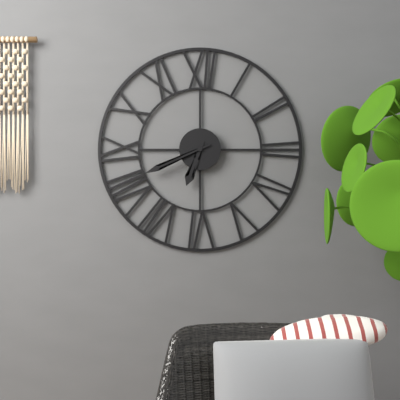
6:41
